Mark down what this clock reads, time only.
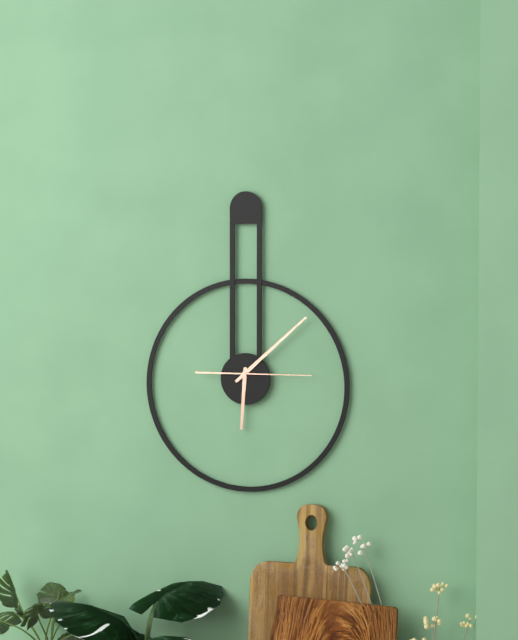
6:08:15
